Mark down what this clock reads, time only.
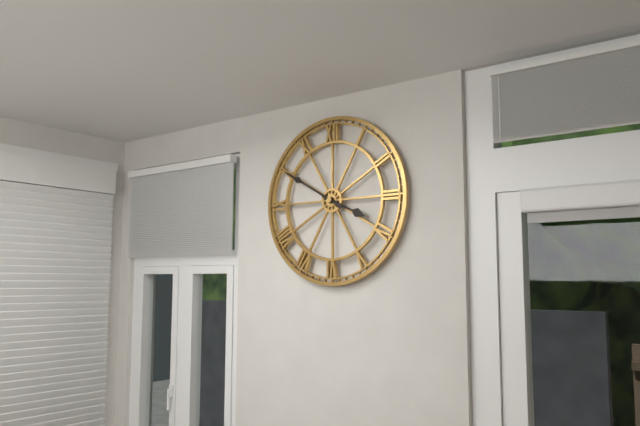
3:50
